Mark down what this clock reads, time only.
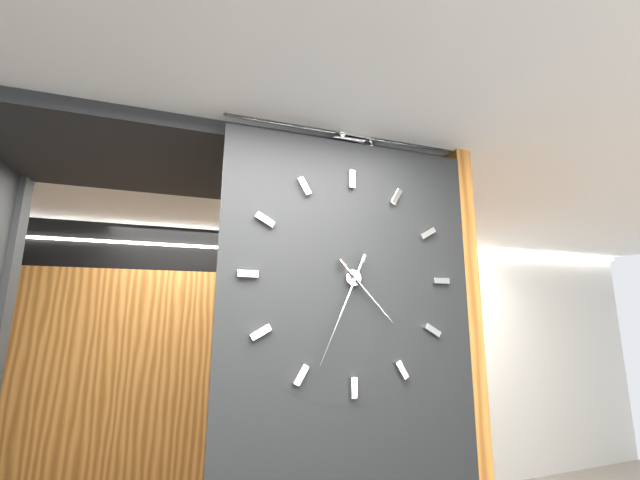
4:34
